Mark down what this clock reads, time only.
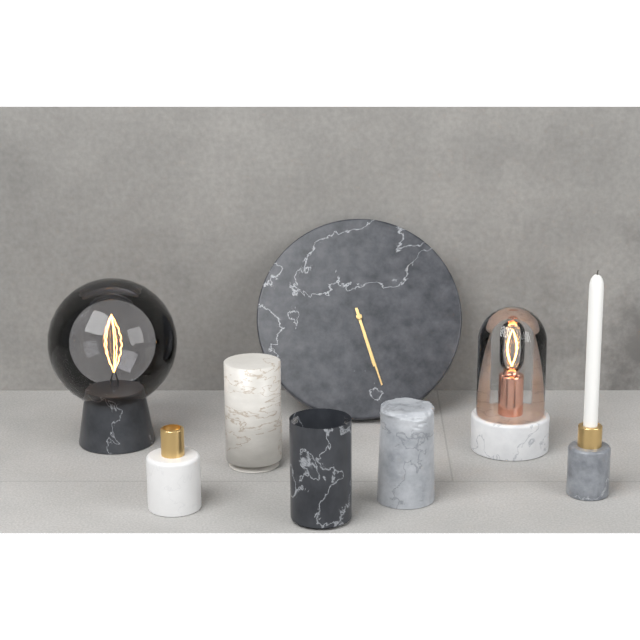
5:27
